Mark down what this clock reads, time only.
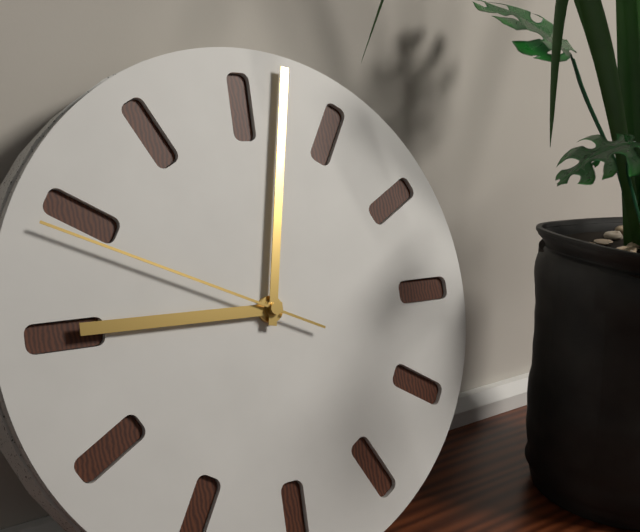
9:02:49
